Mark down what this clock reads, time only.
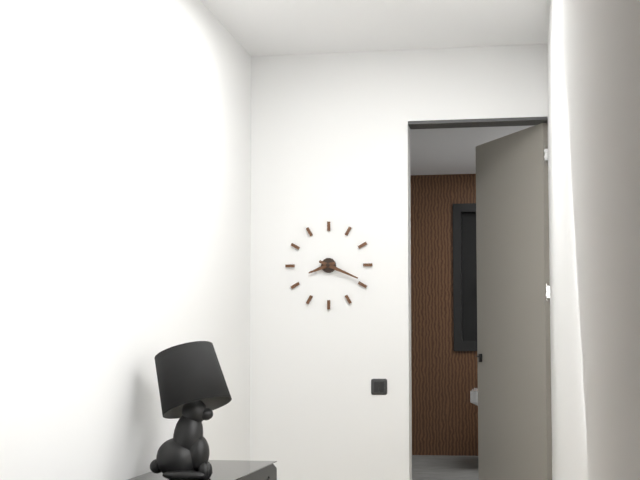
8:19
